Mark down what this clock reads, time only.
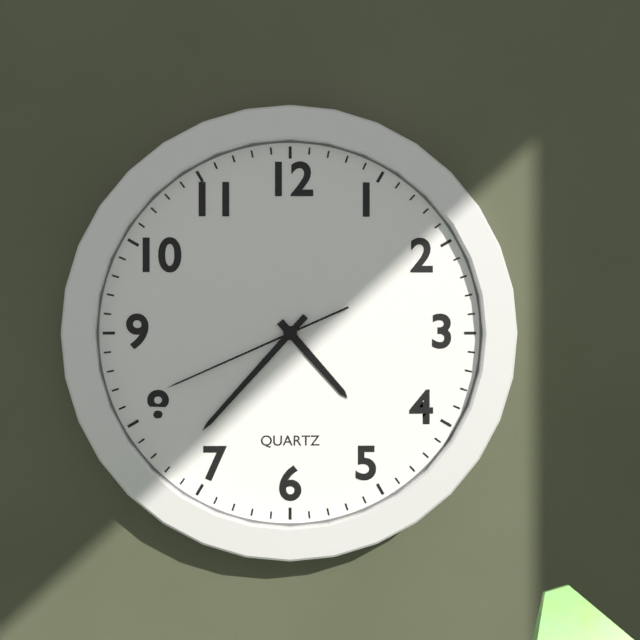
4:37:41
